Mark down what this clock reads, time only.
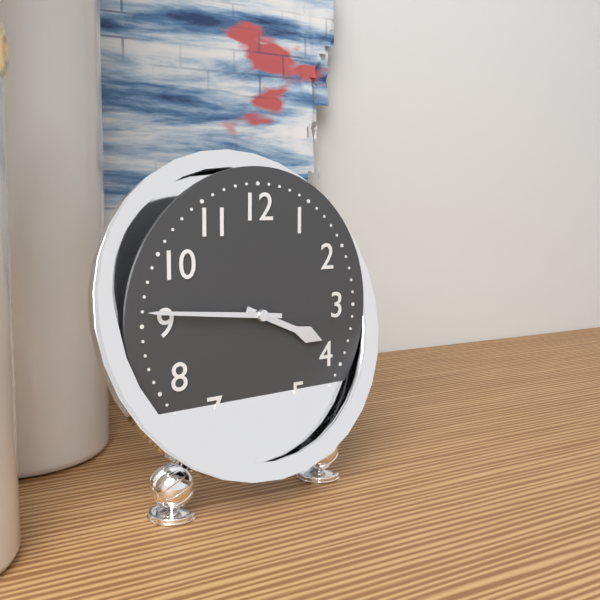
3:46
